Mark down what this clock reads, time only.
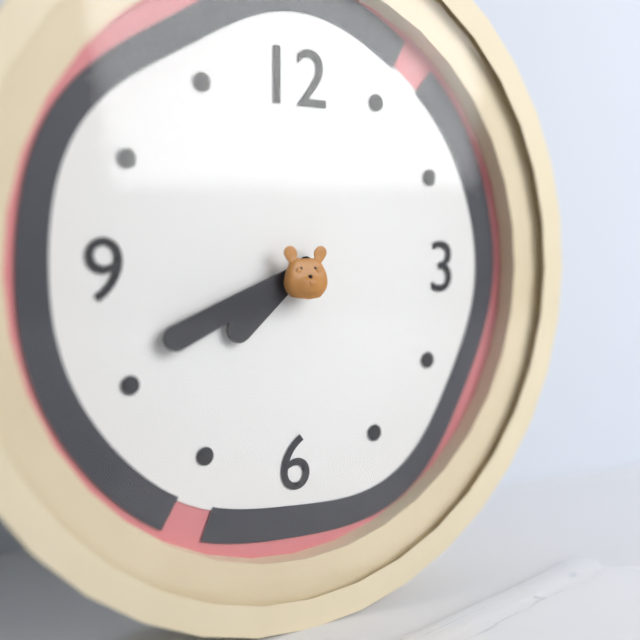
7:41
